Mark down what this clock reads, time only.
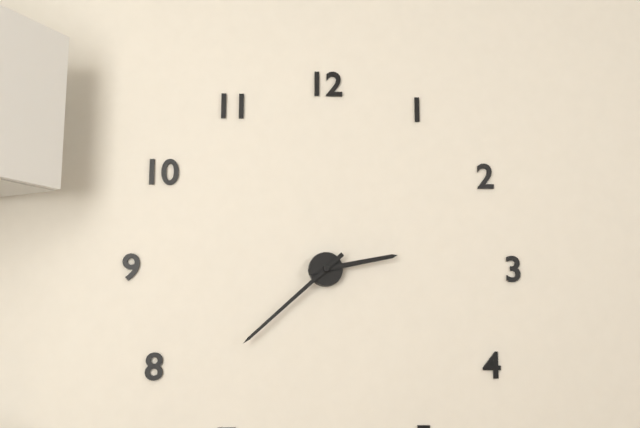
2:38
